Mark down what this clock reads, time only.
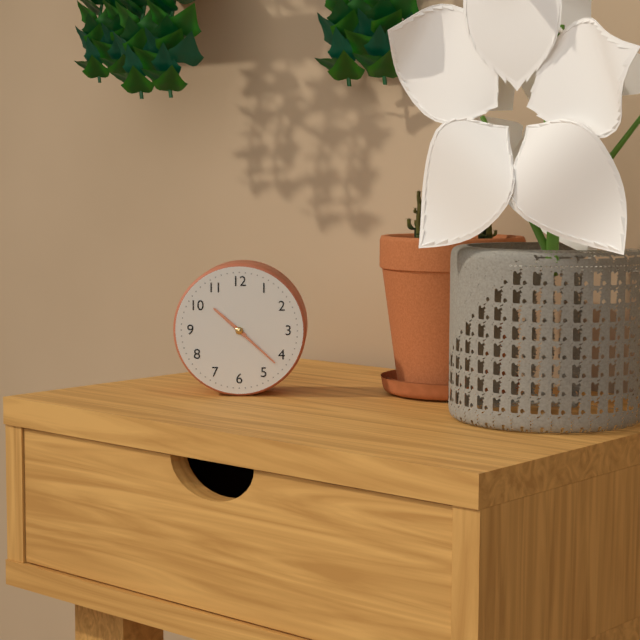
10:22
